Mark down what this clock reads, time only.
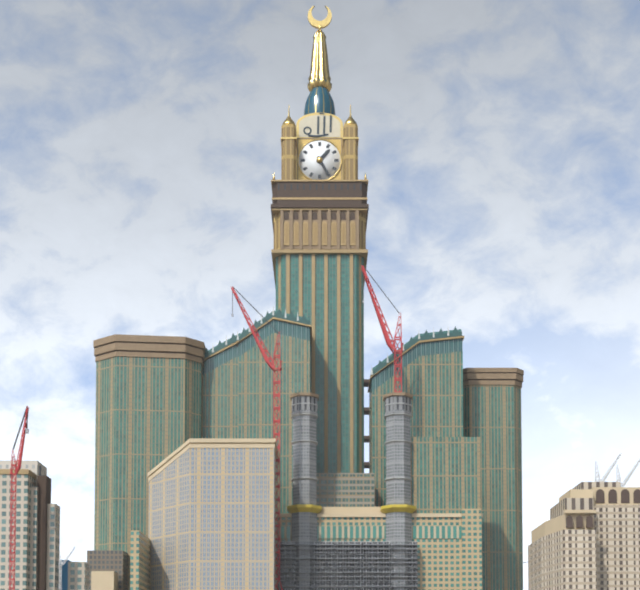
1:25
